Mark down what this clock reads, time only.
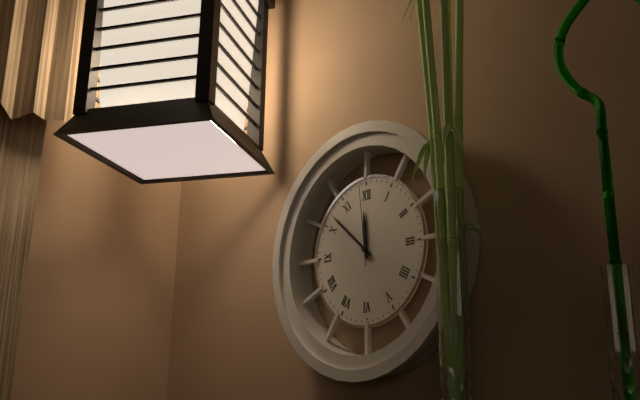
11:52:59
